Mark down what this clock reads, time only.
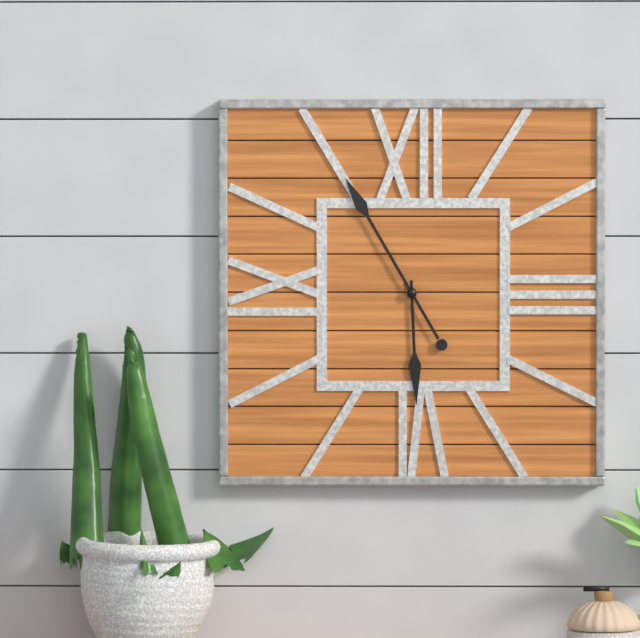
5:55
